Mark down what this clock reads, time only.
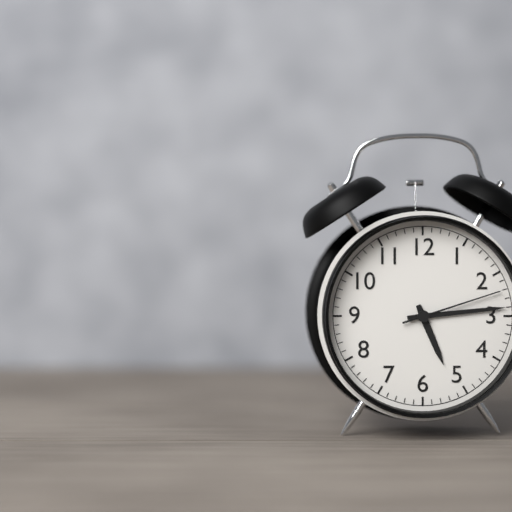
5:14:12
